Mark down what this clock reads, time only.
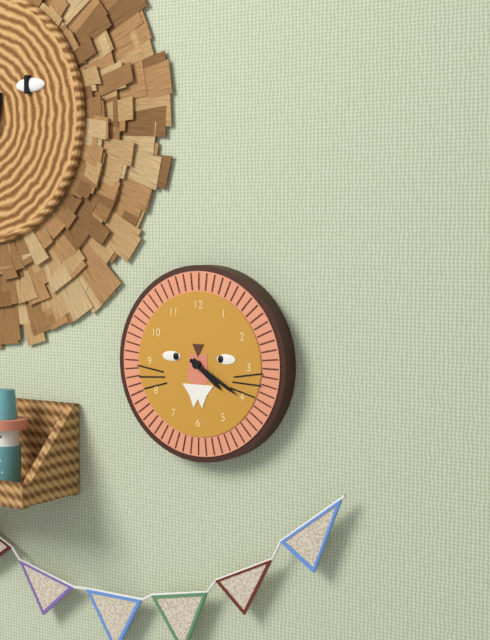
4:20
